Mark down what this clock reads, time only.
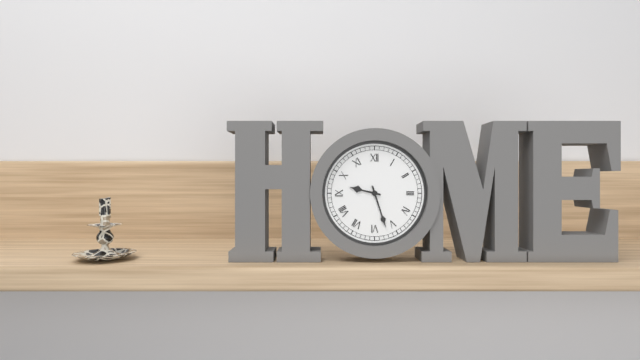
9:27
